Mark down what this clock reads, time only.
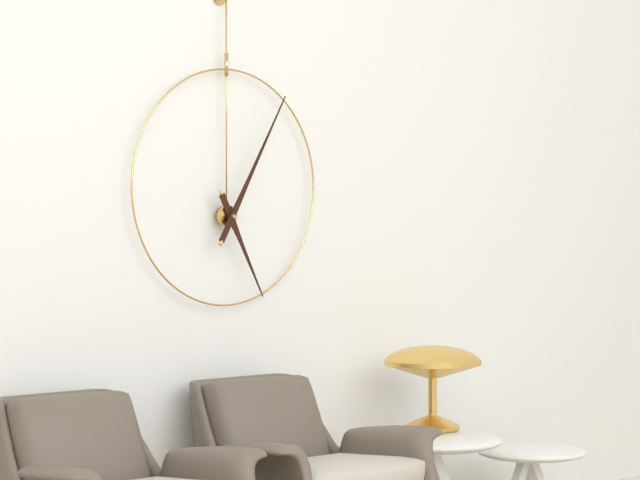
5:05
